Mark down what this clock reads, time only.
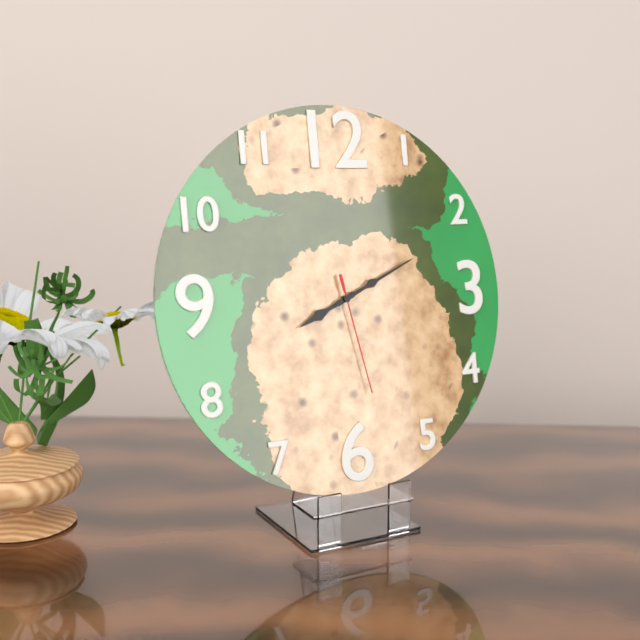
8:11:28
